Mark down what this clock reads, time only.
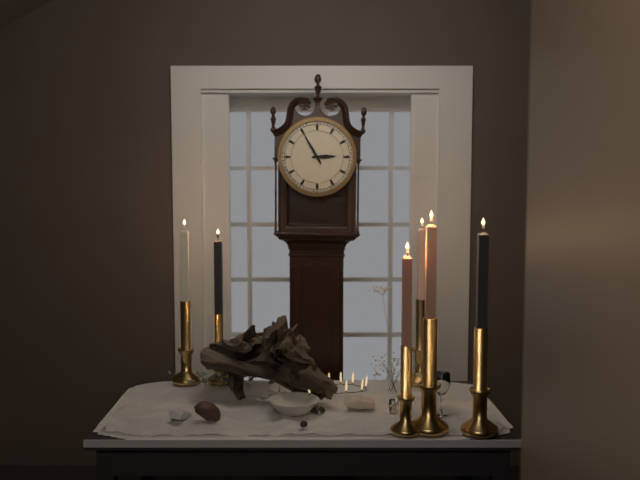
2:55
